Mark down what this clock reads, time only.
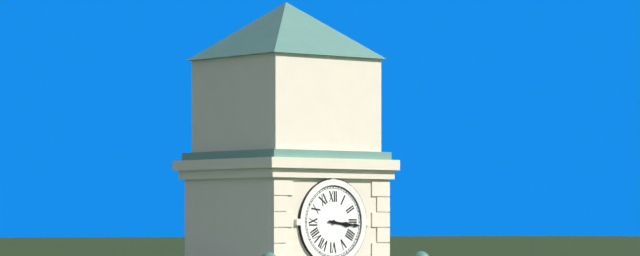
3:16
